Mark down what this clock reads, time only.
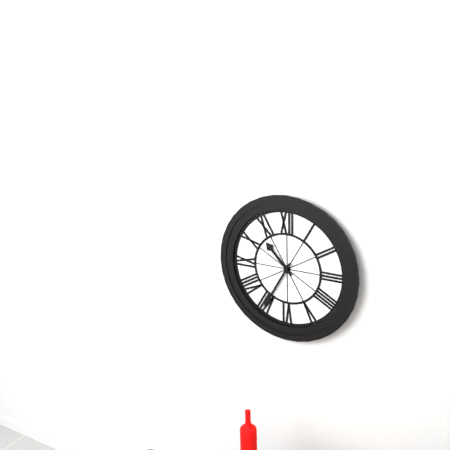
10:35
